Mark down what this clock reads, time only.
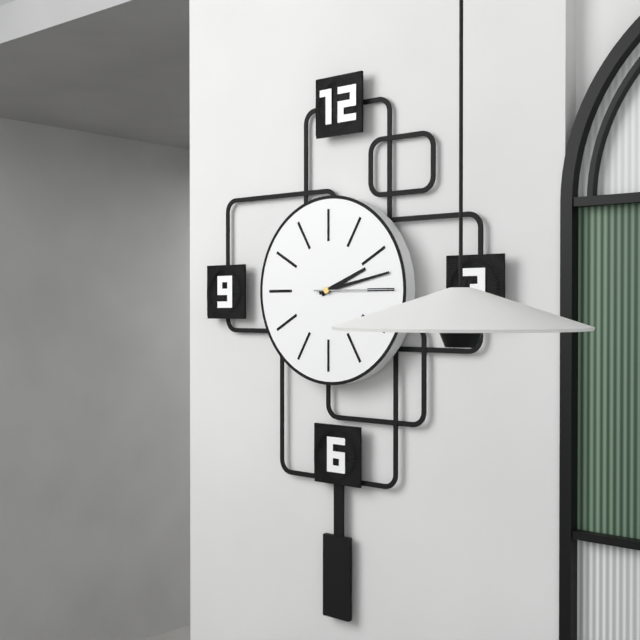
2:13:15
